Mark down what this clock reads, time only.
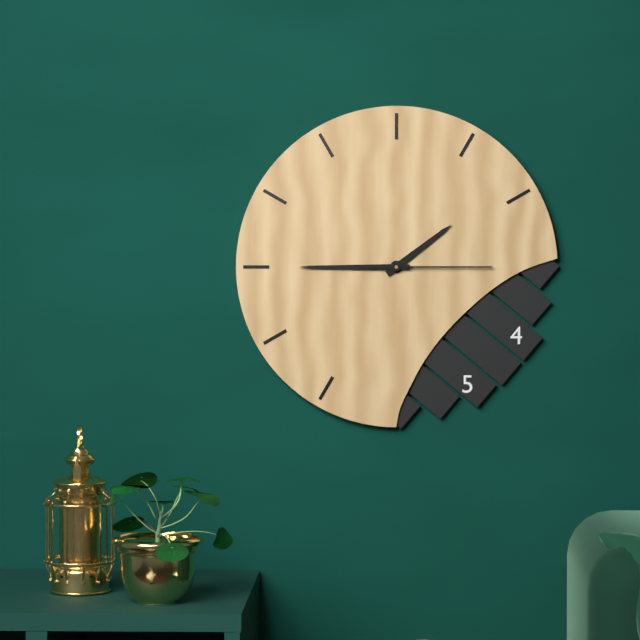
1:45:15
